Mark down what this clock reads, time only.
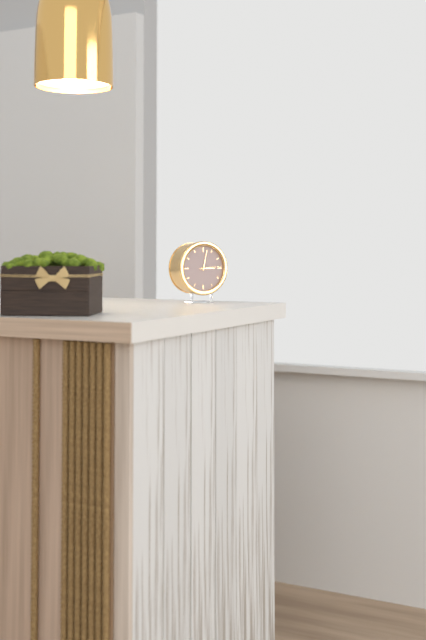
3:02
